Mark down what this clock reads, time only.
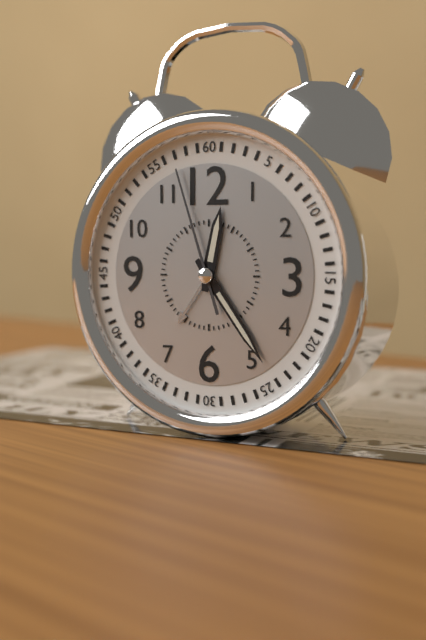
12:24:57
